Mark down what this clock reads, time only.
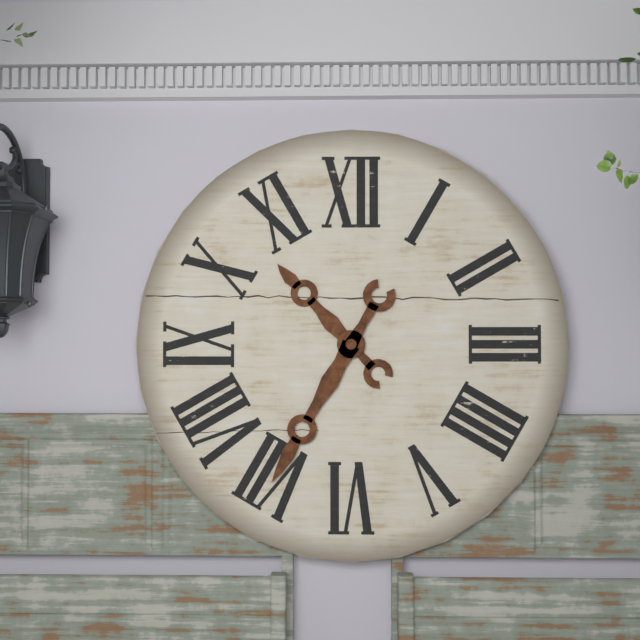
10:35
